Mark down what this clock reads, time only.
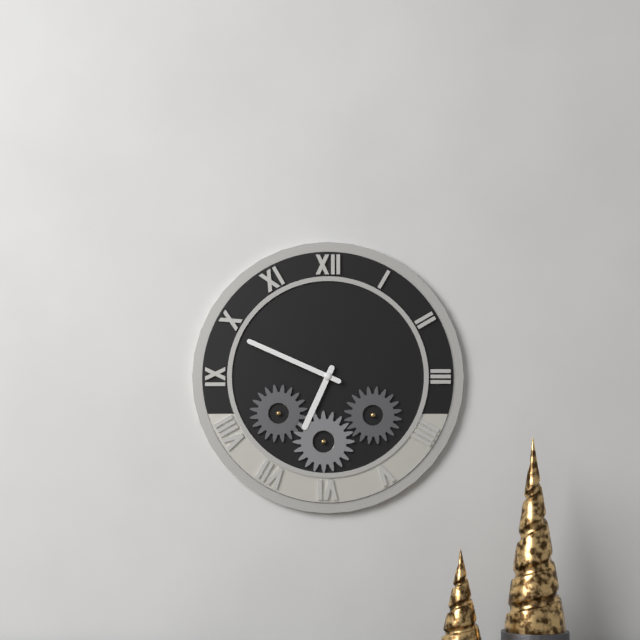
6:49
